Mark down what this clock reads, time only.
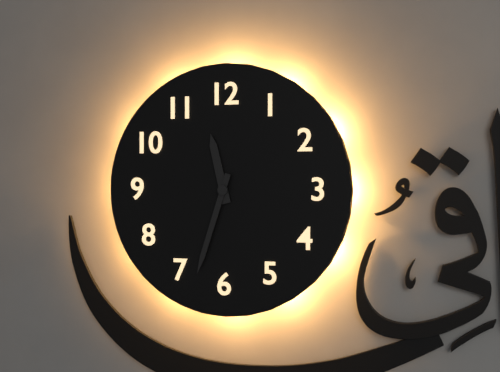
11:33
